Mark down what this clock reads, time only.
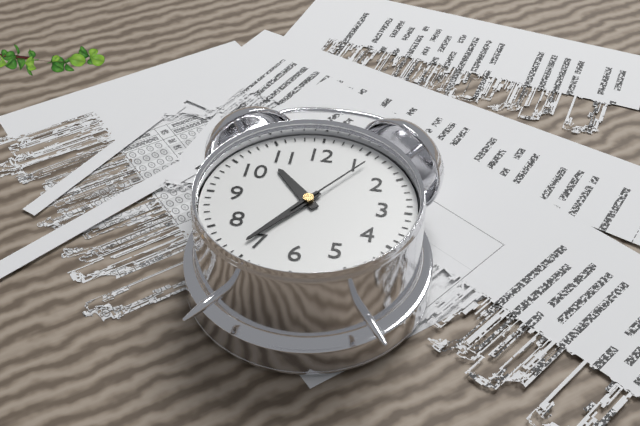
10:36:06
